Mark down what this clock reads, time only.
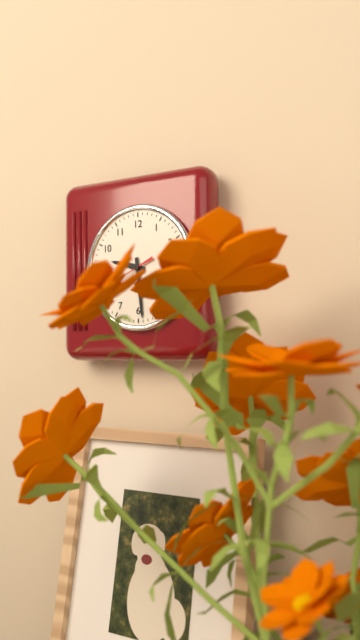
9:29
